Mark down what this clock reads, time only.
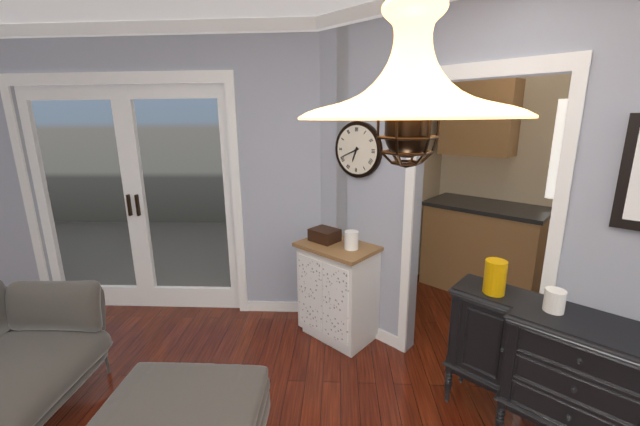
6:41
